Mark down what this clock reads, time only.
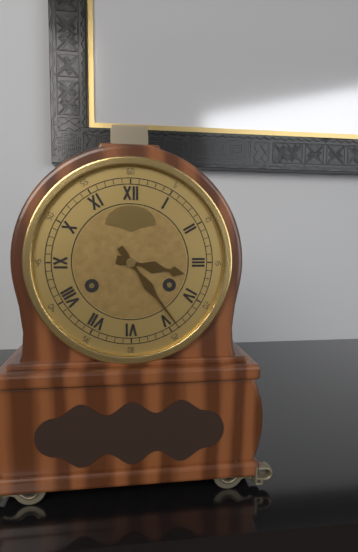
3:24
